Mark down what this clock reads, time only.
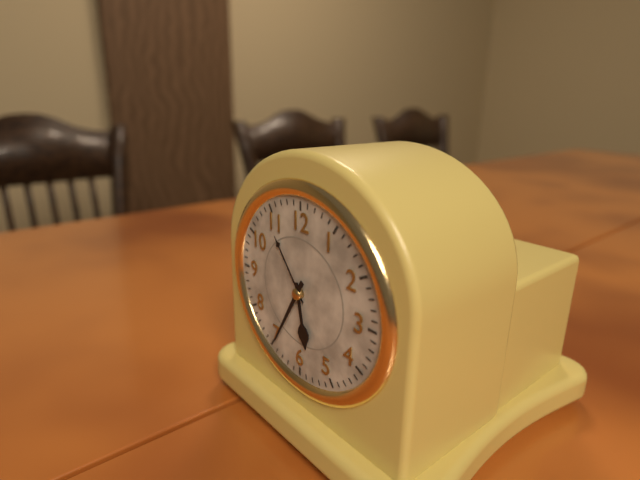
5:35
